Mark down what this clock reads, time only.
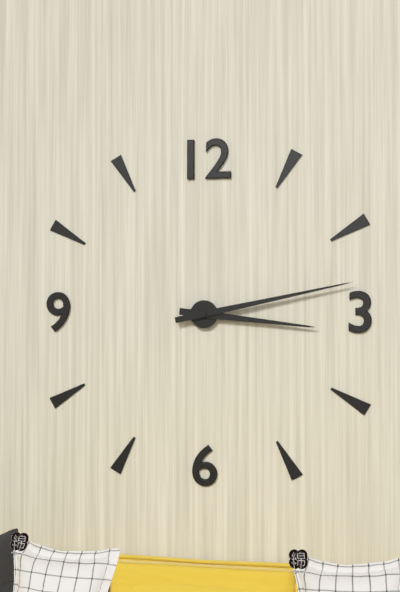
3:13
